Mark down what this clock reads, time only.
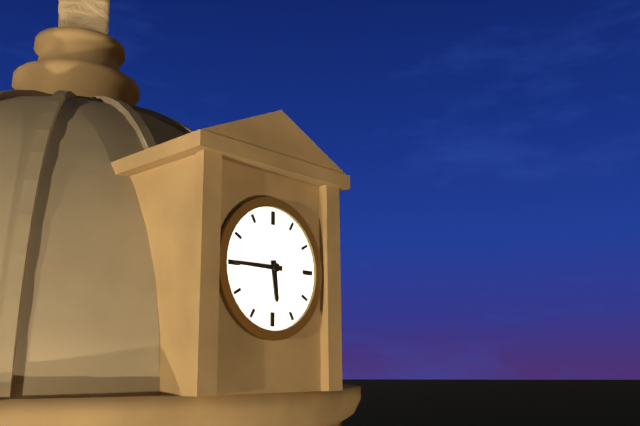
5:45
